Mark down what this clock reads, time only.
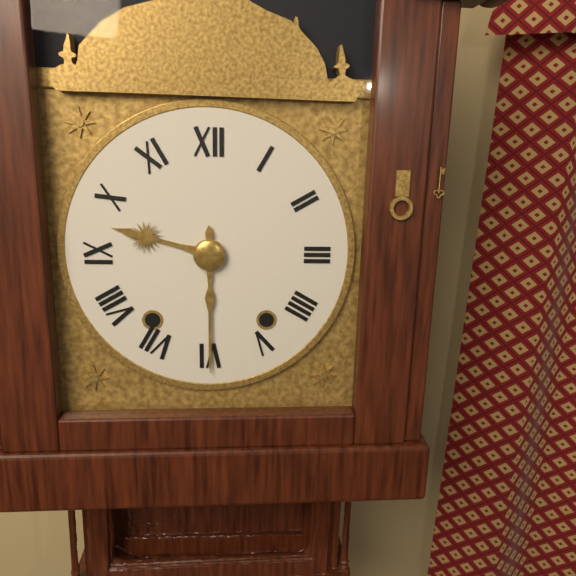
9:30
